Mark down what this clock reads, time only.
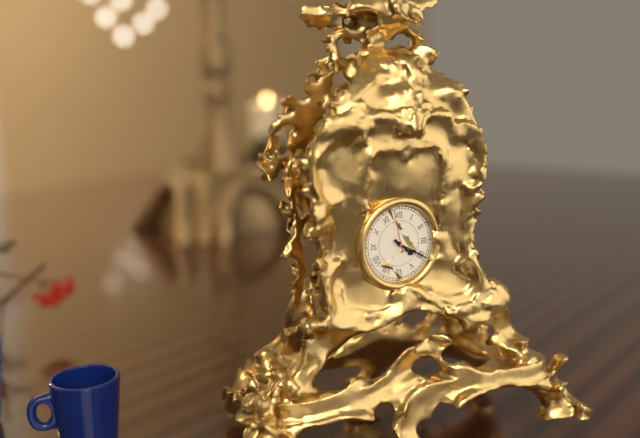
4:20
